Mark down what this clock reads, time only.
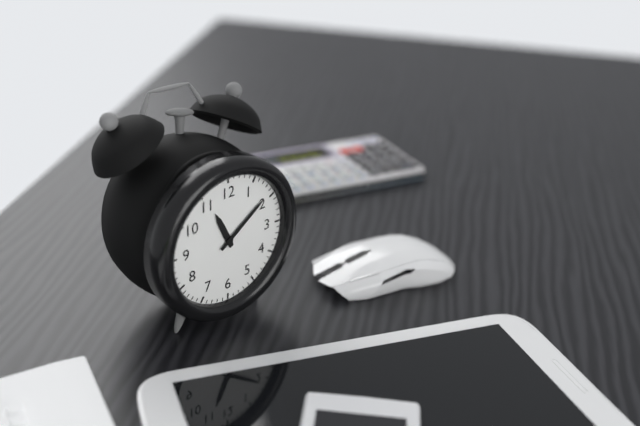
11:09
